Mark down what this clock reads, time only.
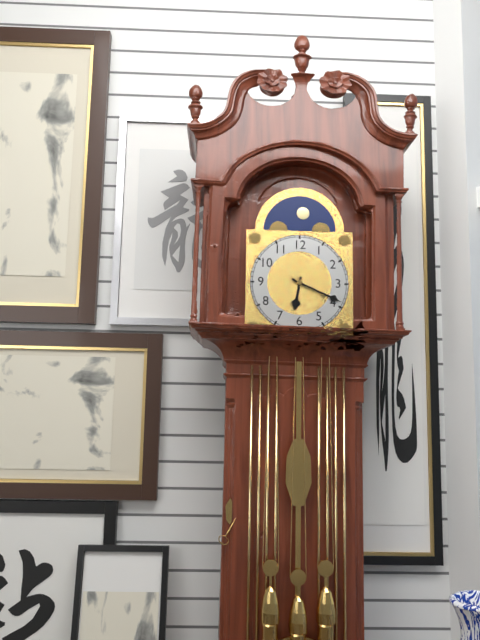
6:19
